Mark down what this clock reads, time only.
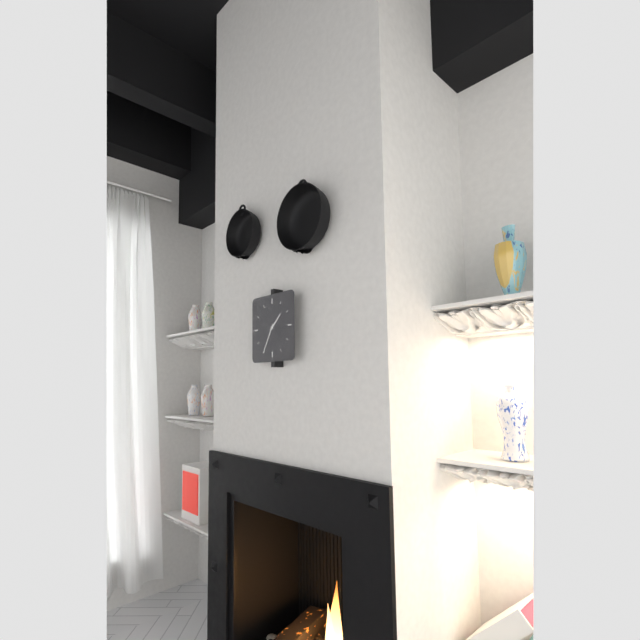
1:35
